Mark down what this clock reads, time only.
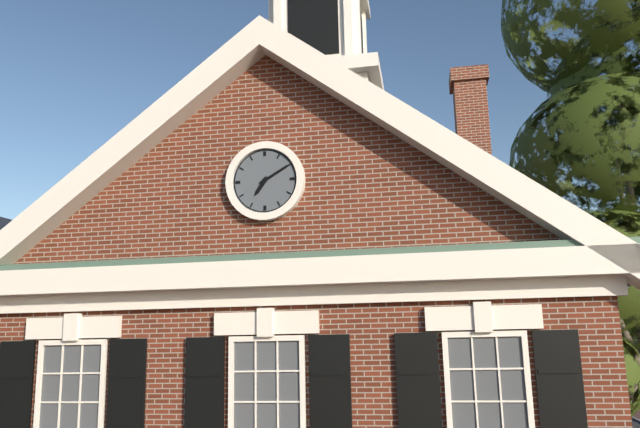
7:10
